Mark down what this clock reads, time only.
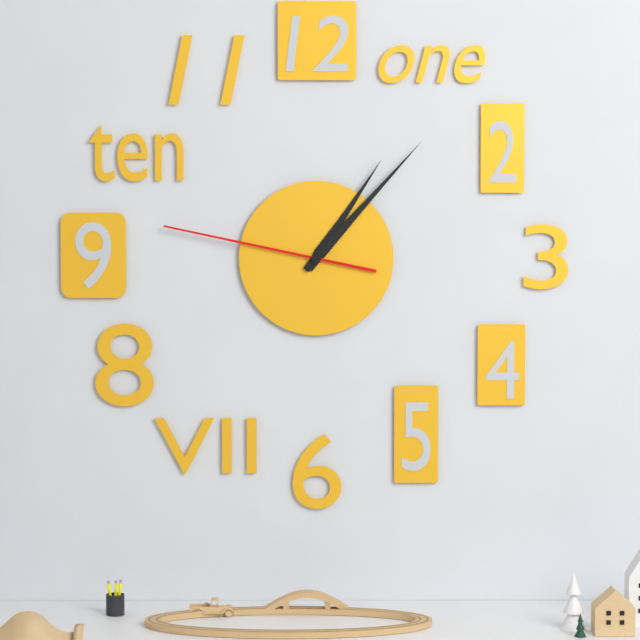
1:07:47
